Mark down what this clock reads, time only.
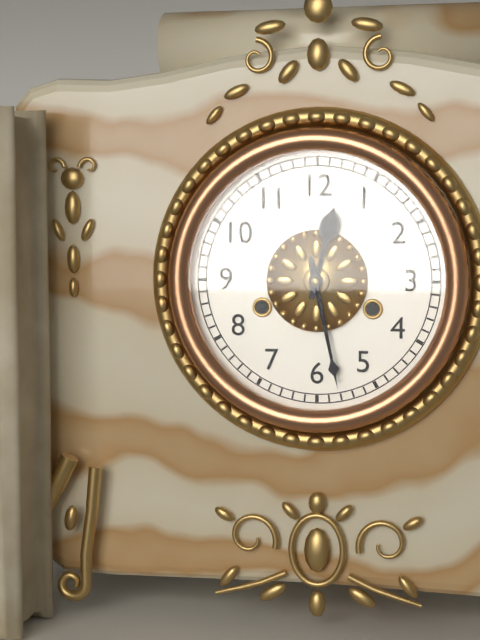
12:28
